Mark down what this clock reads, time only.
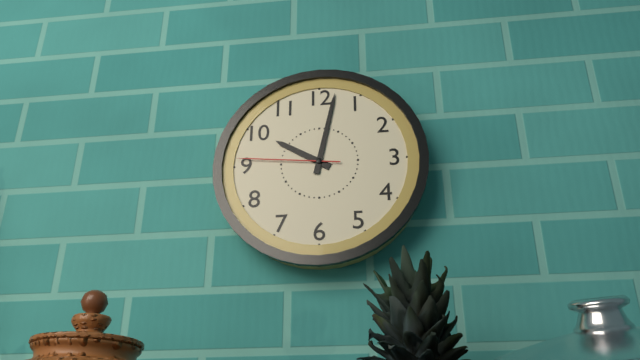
10:02:46
